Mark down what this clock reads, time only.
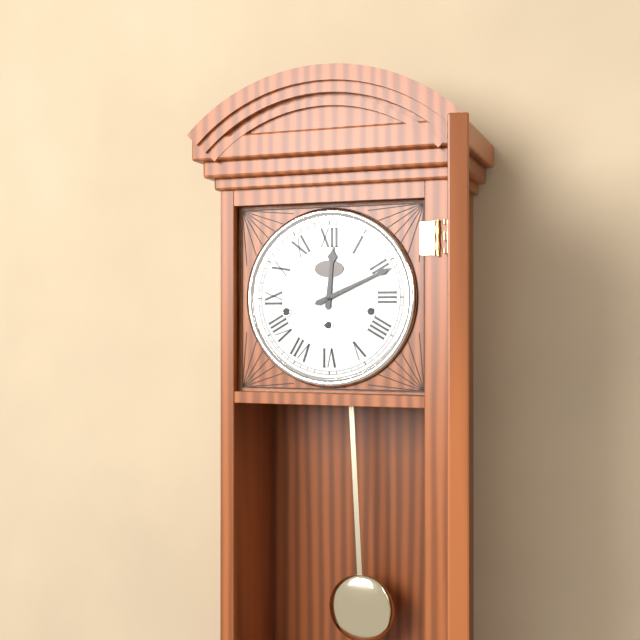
12:11
